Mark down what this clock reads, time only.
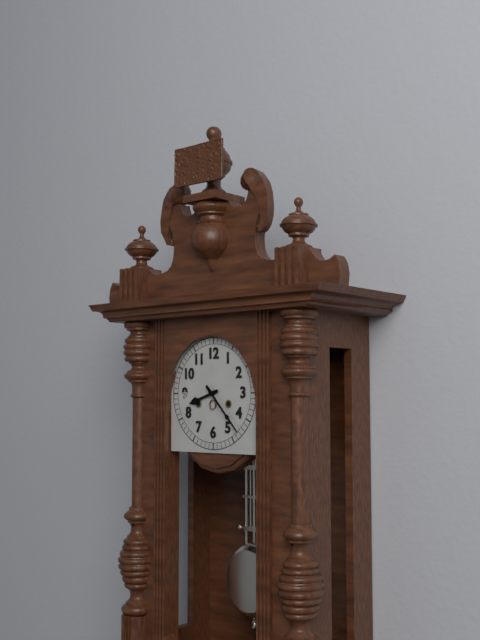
8:23
